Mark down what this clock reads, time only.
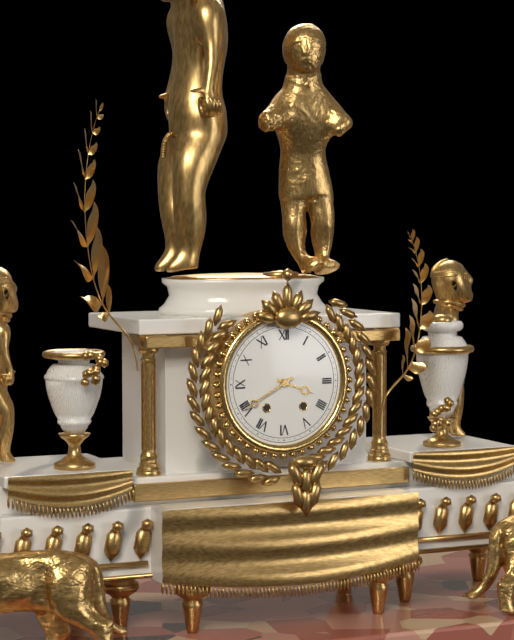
3:40
